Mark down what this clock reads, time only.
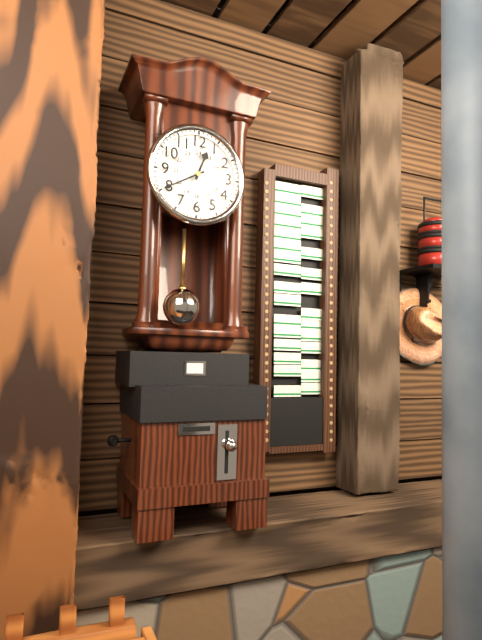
12:40
